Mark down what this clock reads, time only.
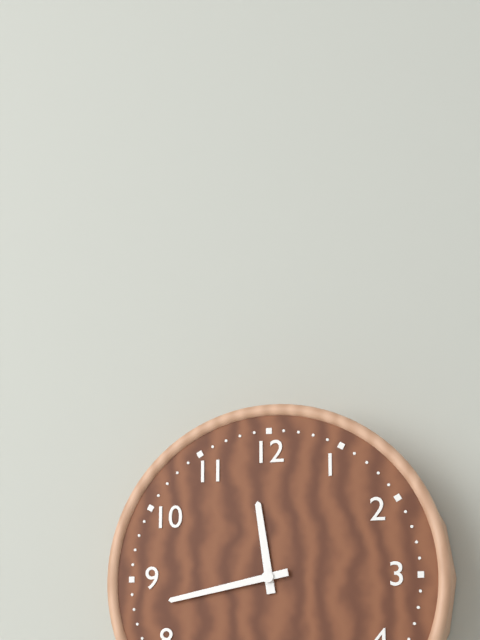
11:43
